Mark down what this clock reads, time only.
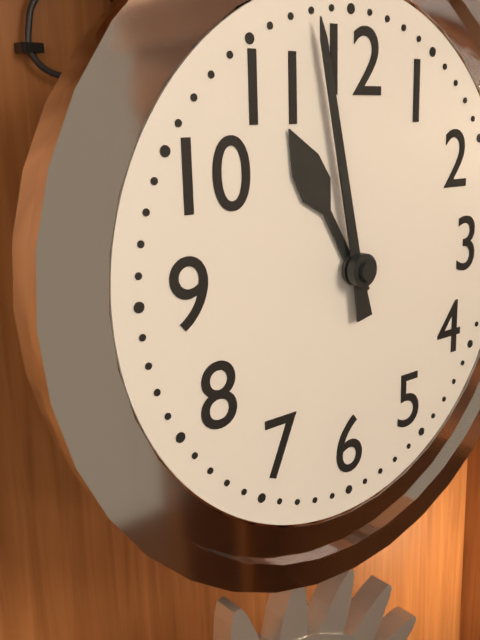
10:58
